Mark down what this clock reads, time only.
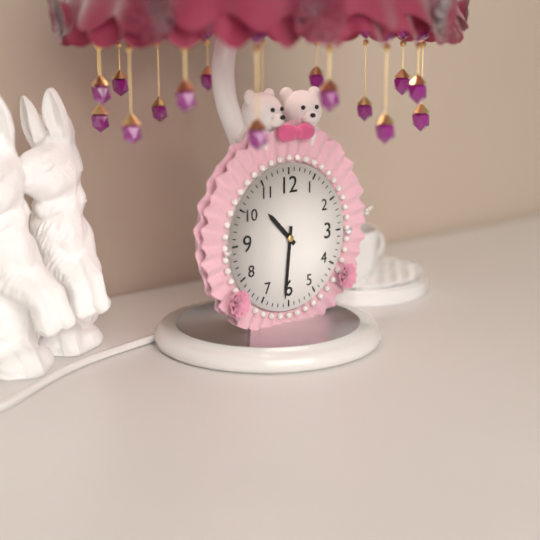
10:31
